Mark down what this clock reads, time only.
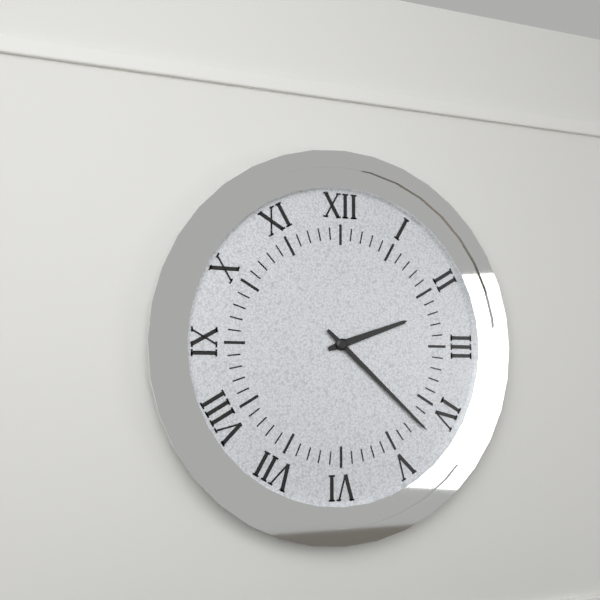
2:22
